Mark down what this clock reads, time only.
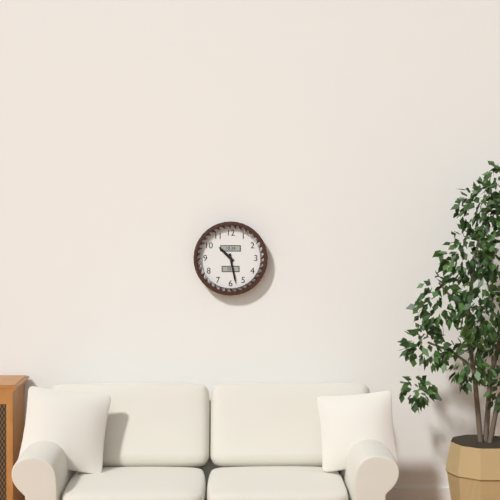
10:28
